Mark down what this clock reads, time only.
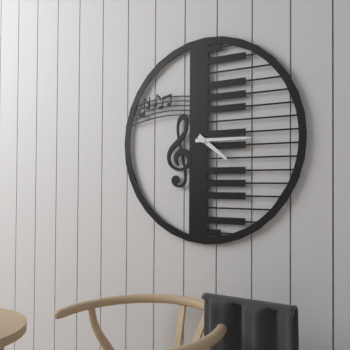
4:15
